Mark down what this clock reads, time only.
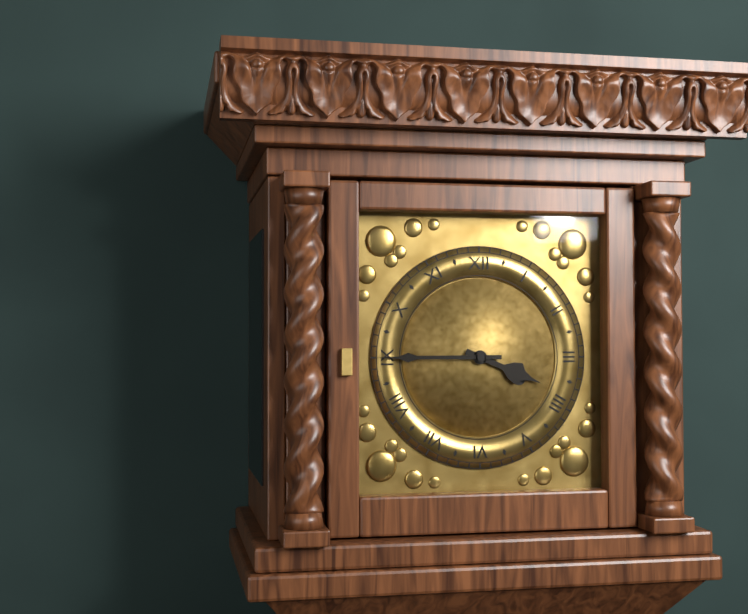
3:45
